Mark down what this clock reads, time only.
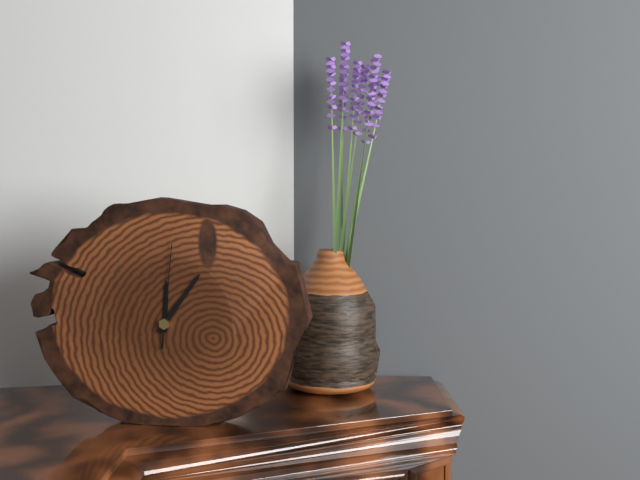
12:06:01
